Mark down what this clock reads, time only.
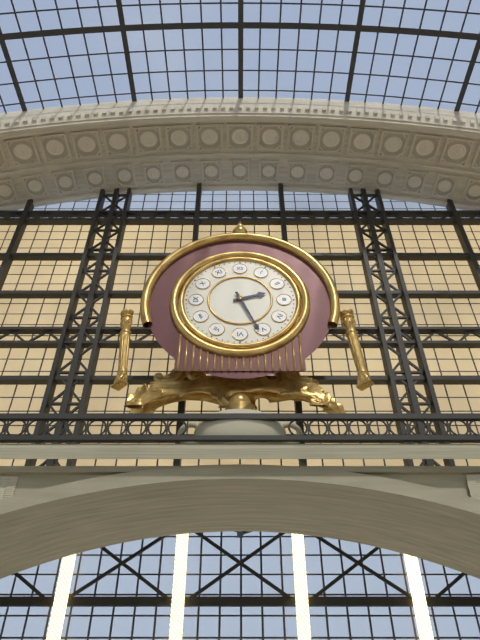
2:26
